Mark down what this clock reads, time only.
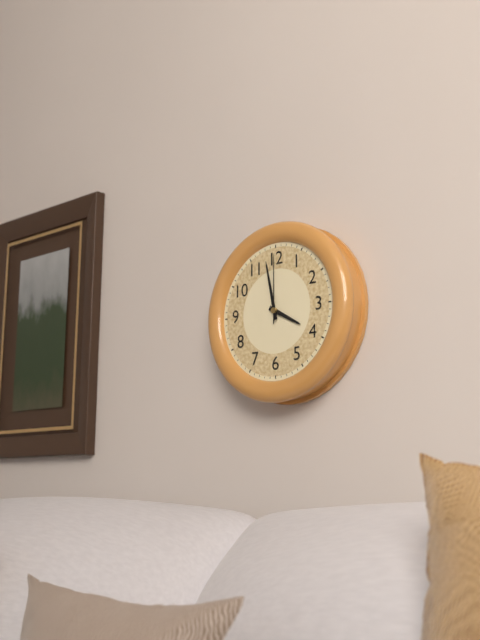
3:58:00
